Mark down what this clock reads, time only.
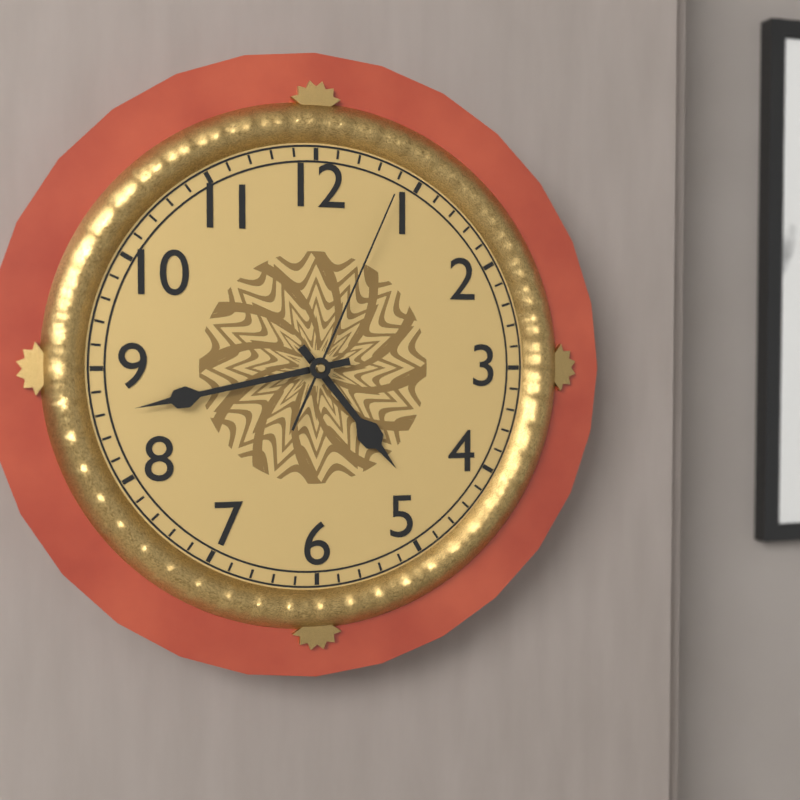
4:43:04
